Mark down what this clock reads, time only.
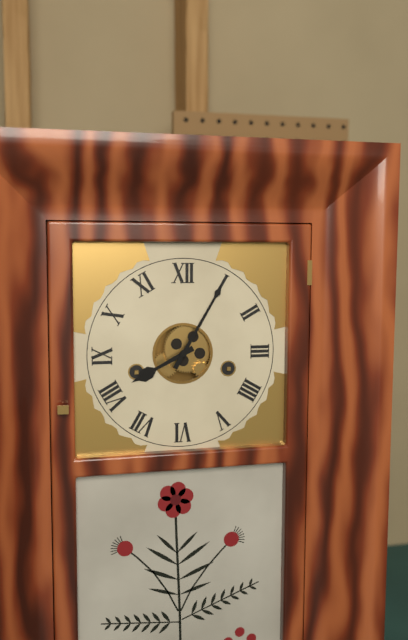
8:05
